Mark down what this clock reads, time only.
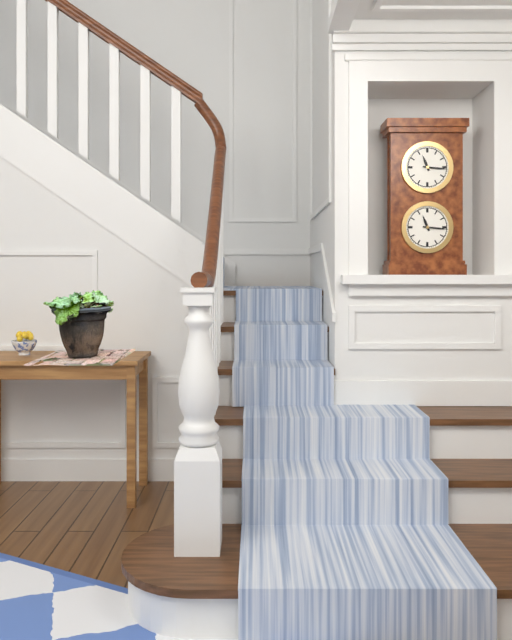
11:16
